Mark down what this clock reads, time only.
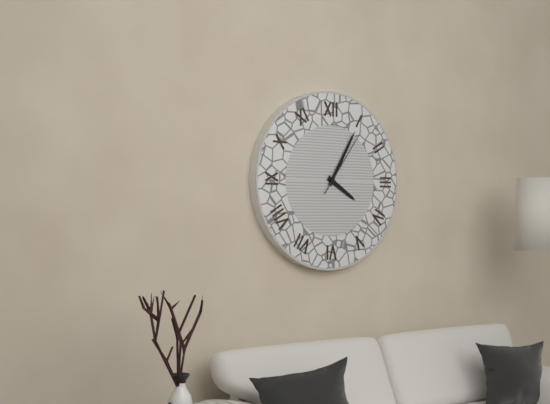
4:05:06
